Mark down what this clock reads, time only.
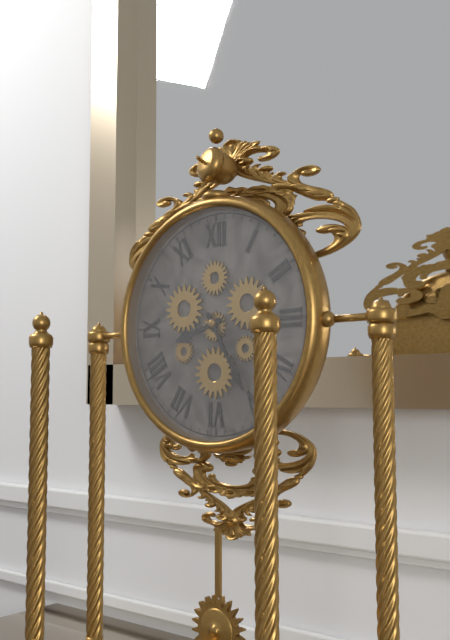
8:25
